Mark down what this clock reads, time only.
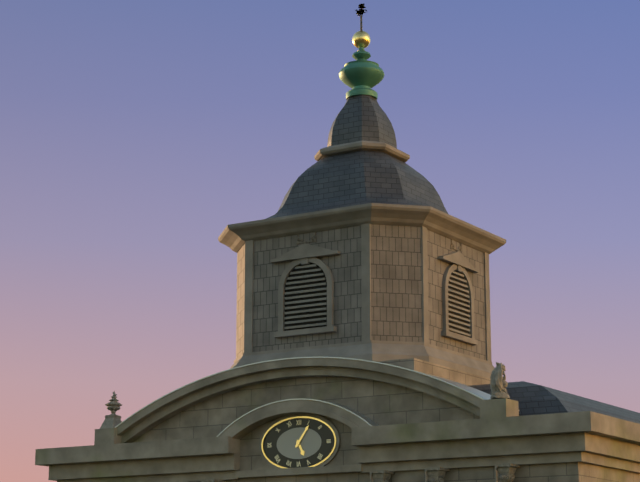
5:06
